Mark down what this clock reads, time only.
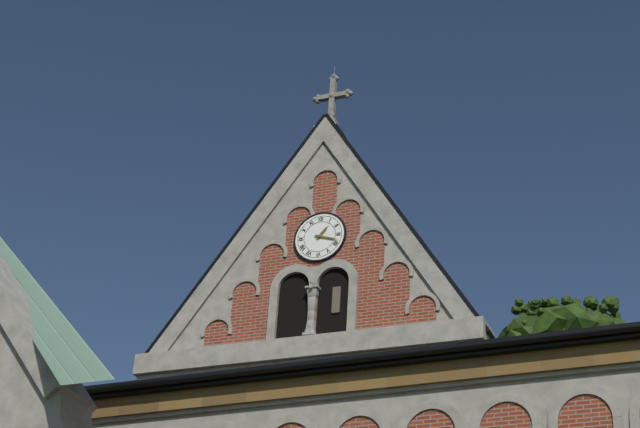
1:18
